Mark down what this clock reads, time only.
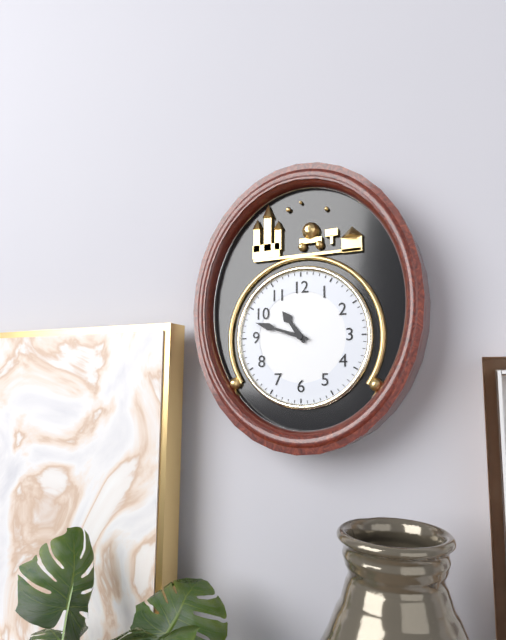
10:48
